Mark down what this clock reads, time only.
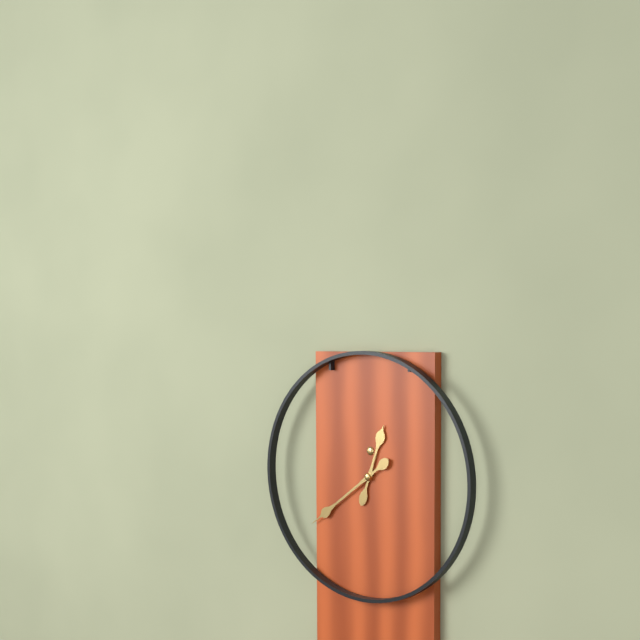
12:39
